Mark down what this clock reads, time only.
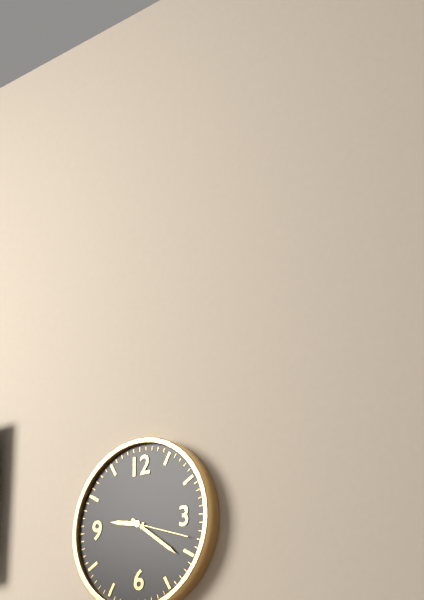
9:21:18
